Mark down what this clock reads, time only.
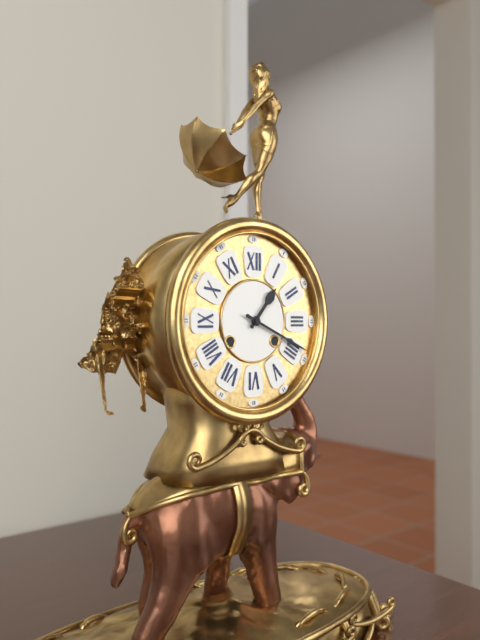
1:19
